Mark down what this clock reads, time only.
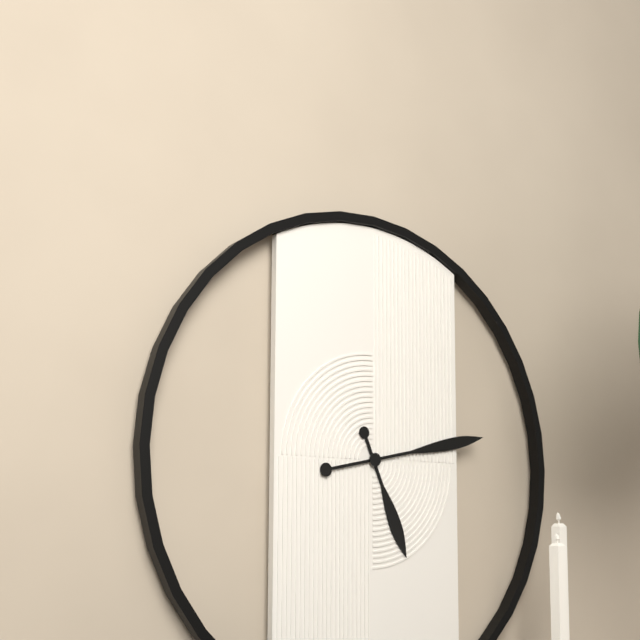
5:13
